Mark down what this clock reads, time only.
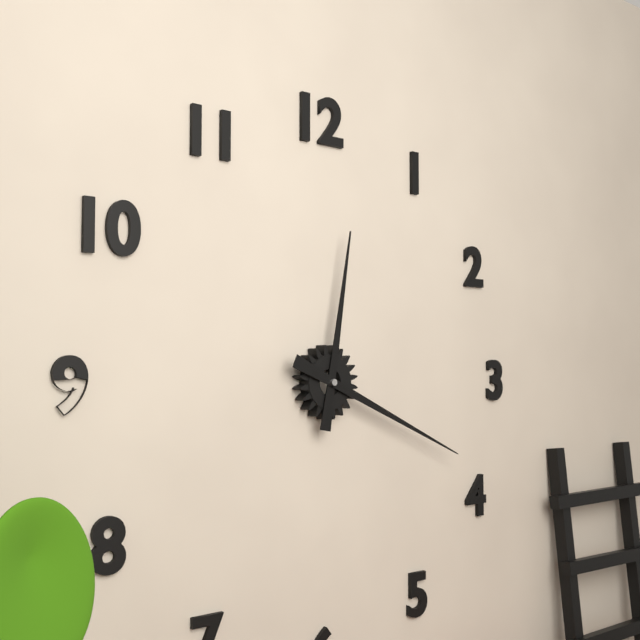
12:19
